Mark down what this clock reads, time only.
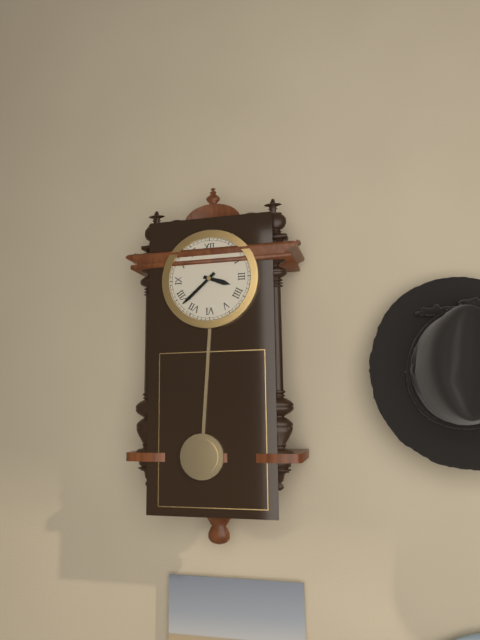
3:38
